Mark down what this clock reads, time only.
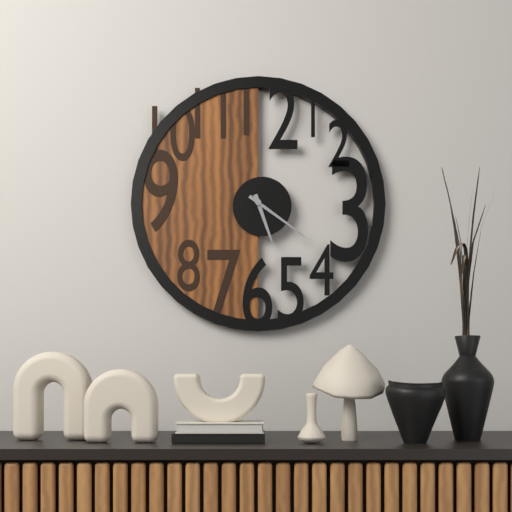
5:21
